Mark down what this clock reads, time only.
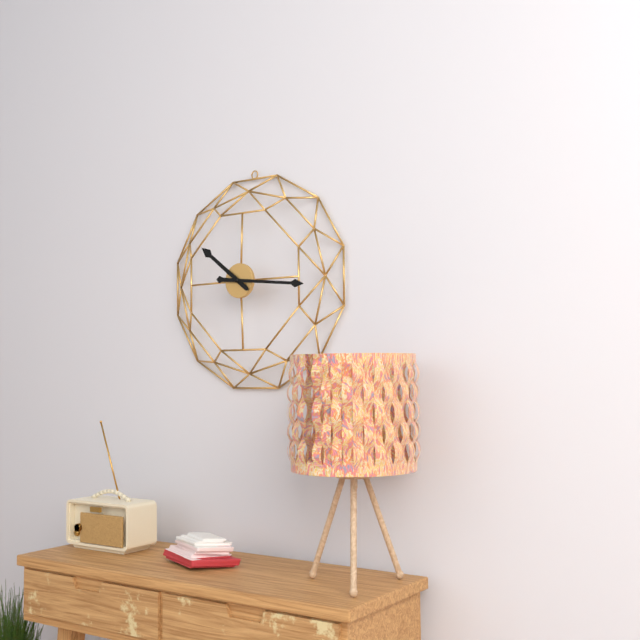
10:16
